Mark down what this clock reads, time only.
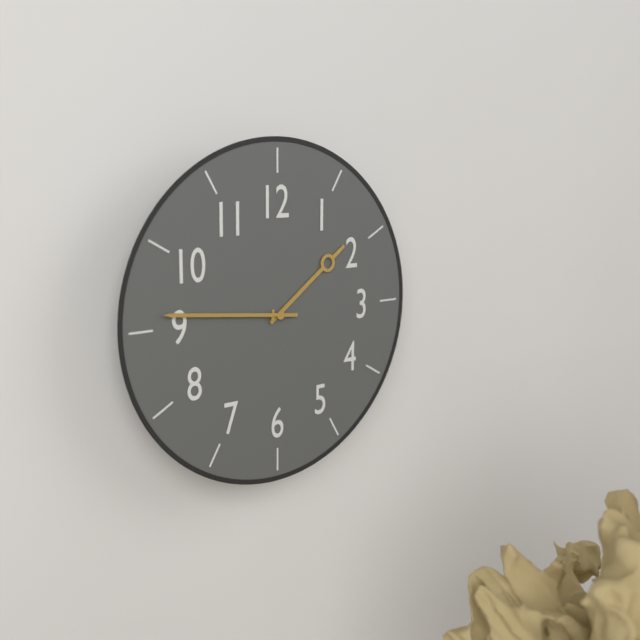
1:46
